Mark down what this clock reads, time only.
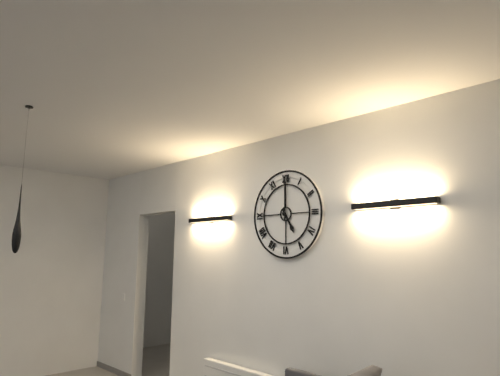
5:00
